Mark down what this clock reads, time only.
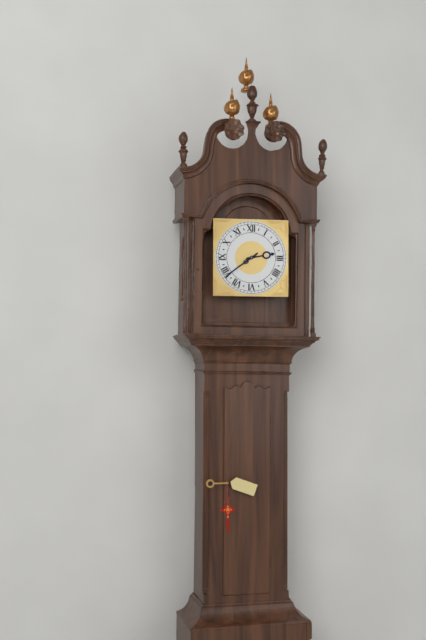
2:39
